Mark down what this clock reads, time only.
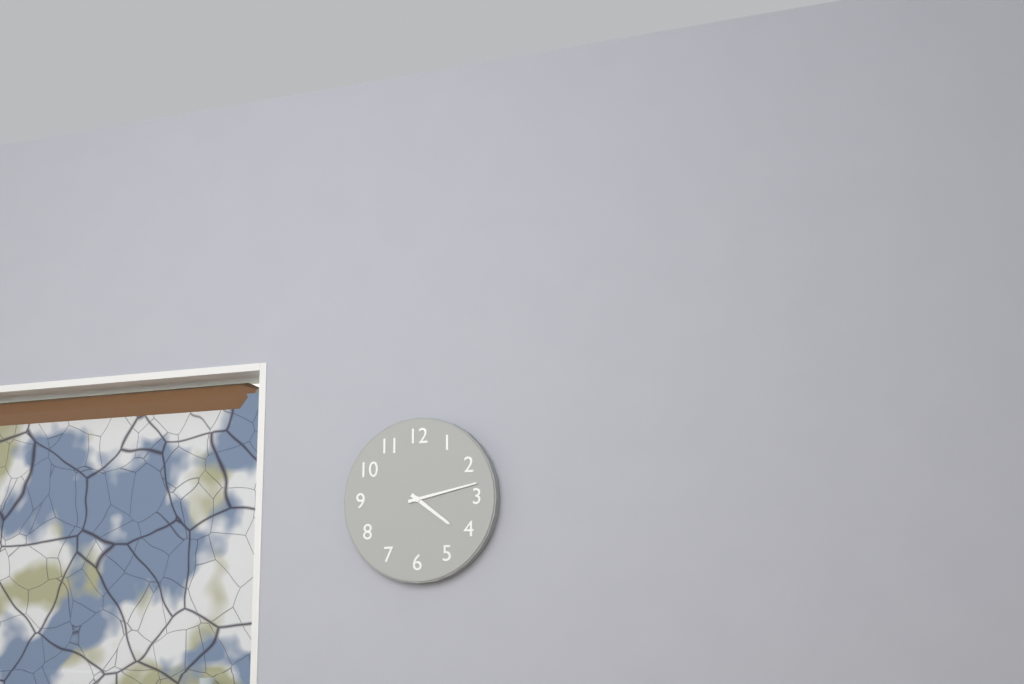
4:13
